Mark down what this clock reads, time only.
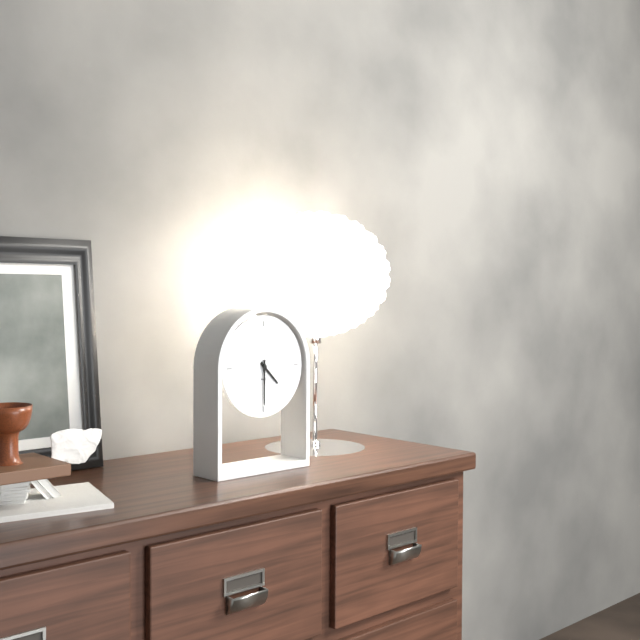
4:30
